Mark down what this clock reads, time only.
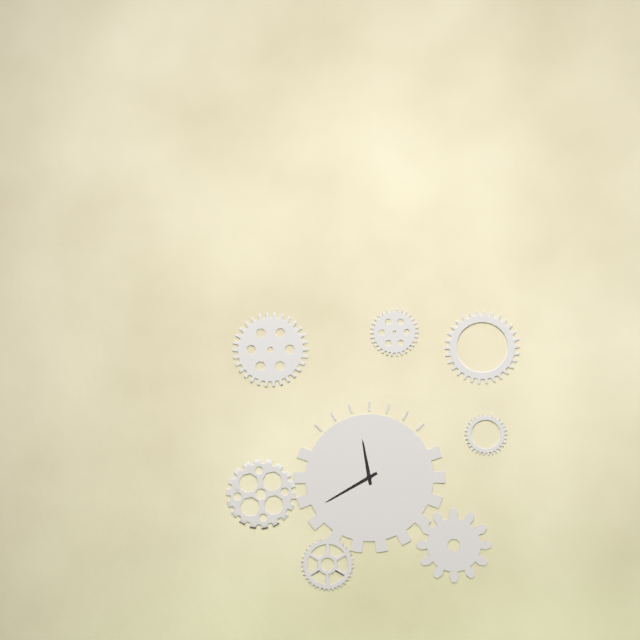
11:40
